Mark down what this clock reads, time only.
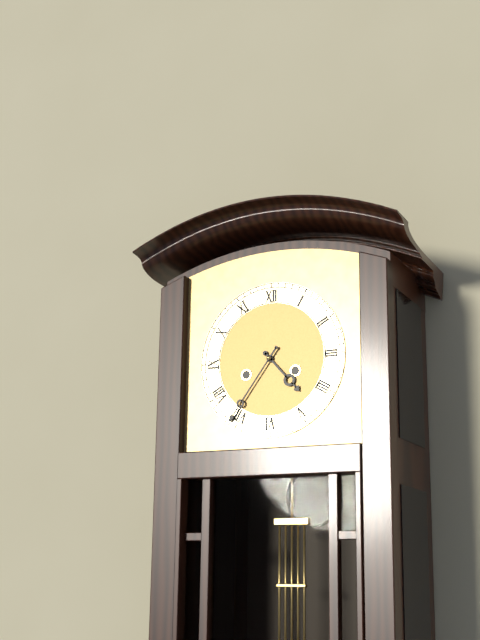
4:36
